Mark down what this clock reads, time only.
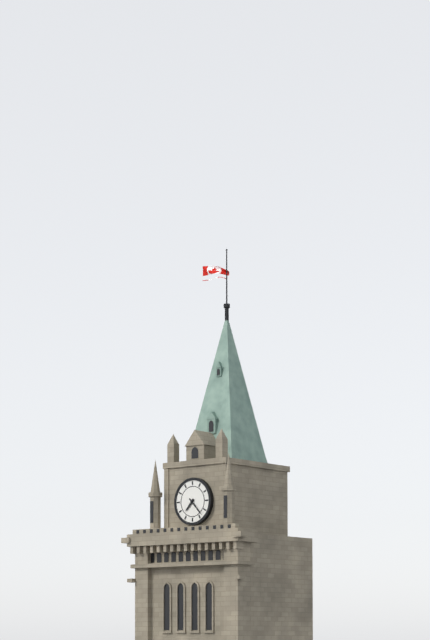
7:23
